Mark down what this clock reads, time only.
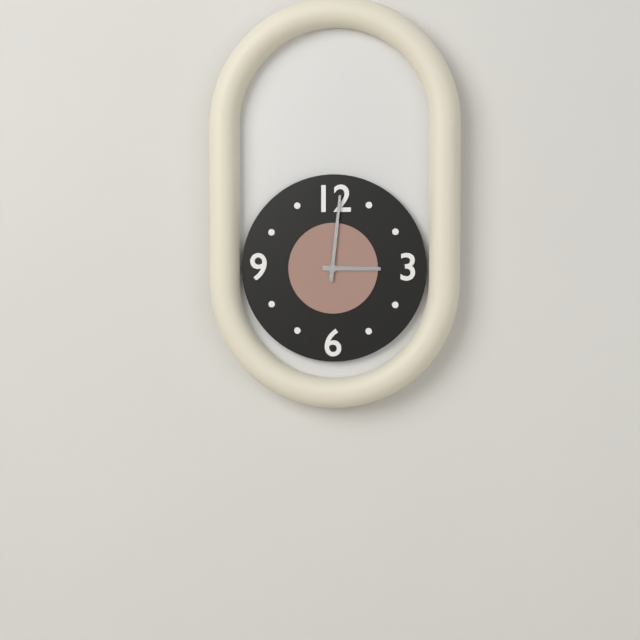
3:01
